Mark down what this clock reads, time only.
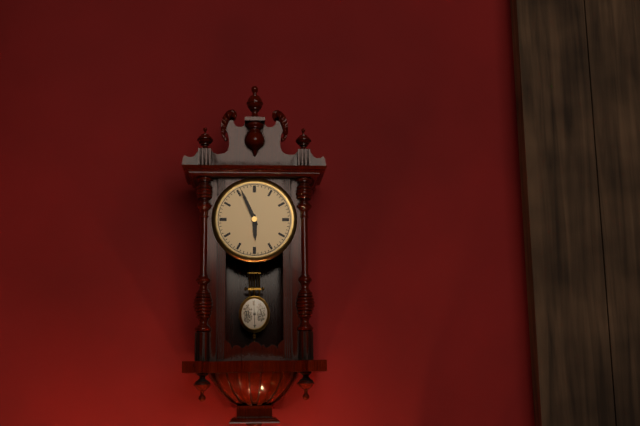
5:56
